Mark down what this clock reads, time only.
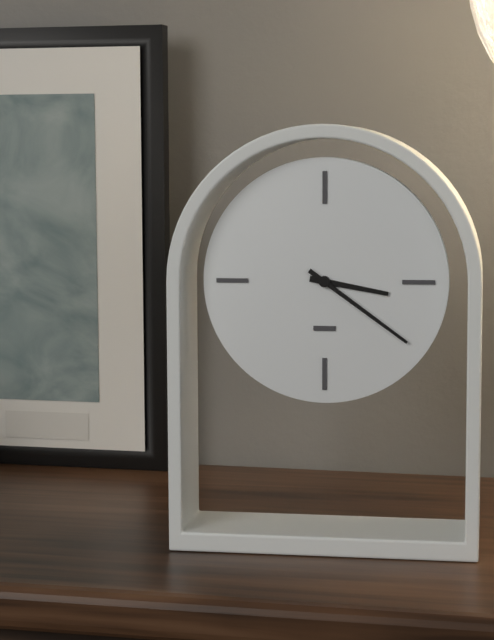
3:21
